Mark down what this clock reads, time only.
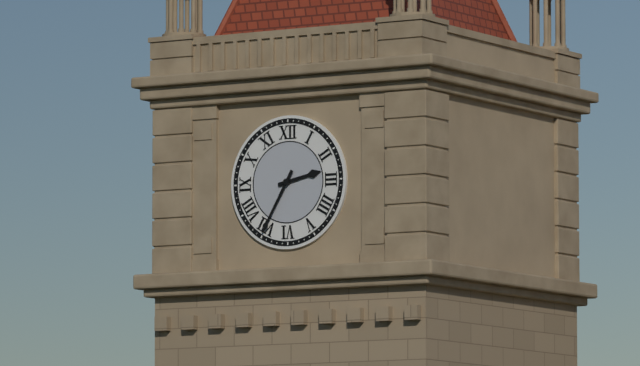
2:35
